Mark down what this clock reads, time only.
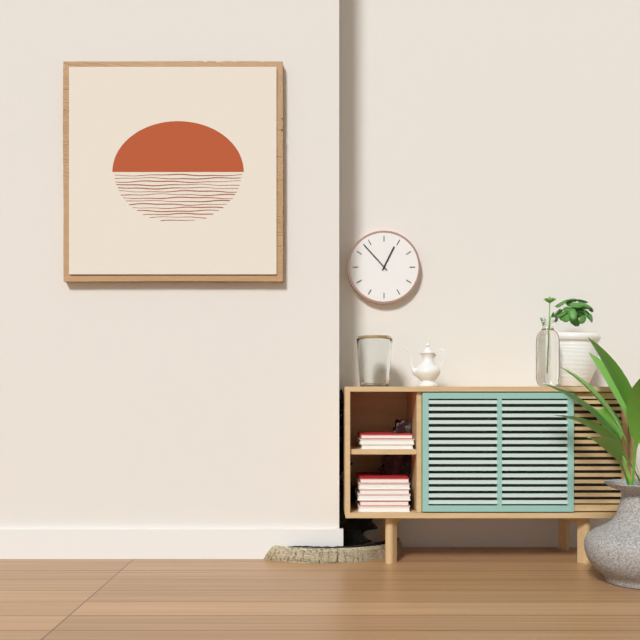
12:53
